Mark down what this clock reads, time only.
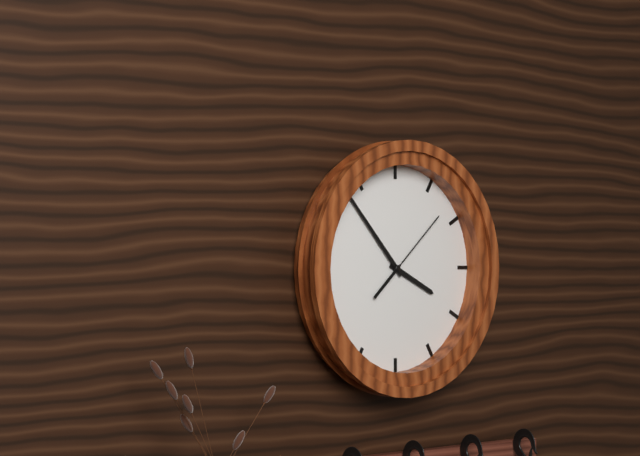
3:53:08
